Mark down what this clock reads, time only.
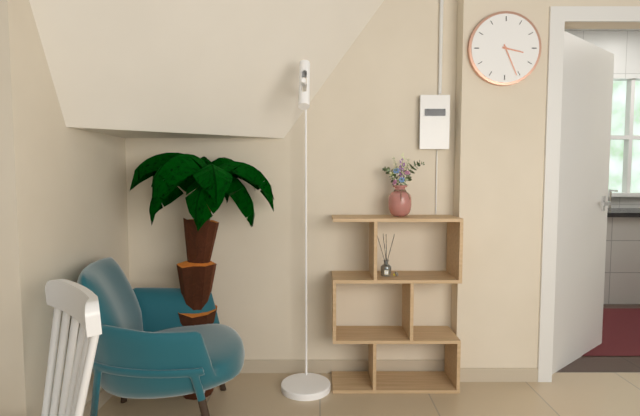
3:26
